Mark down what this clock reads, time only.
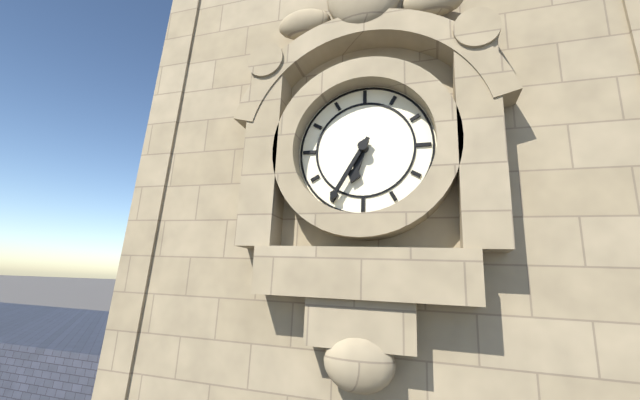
6:35
